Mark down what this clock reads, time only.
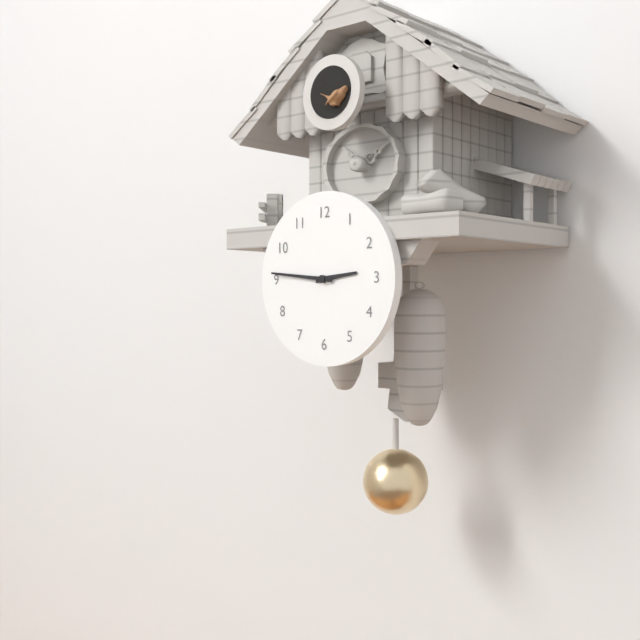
2:46
